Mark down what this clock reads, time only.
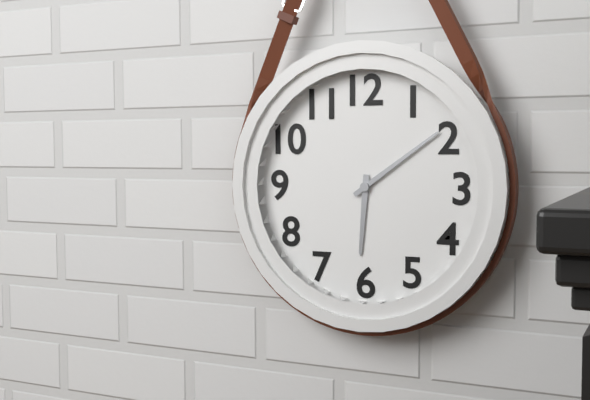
6:09
